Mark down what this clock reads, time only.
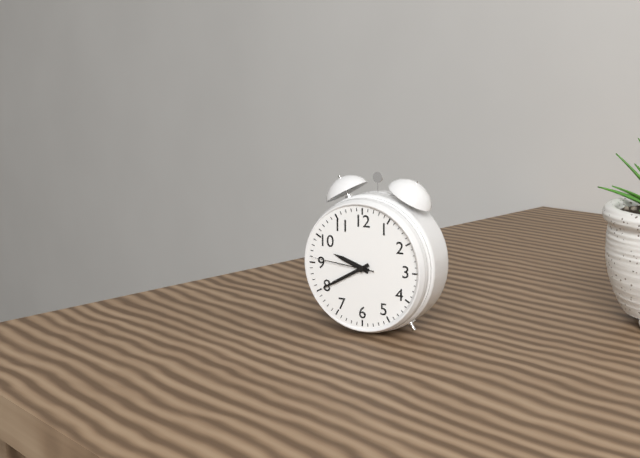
9:40:46
